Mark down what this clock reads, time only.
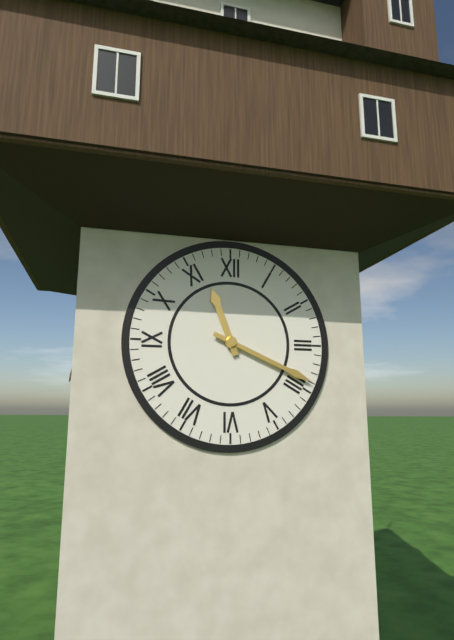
11:19
